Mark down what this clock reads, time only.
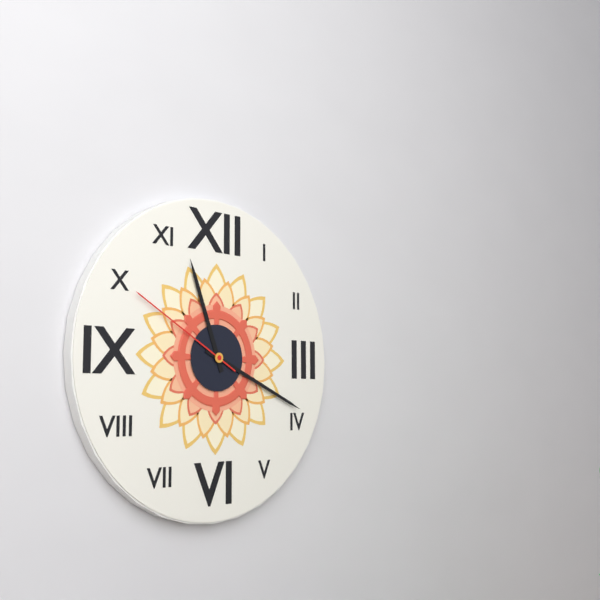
11:19:50
